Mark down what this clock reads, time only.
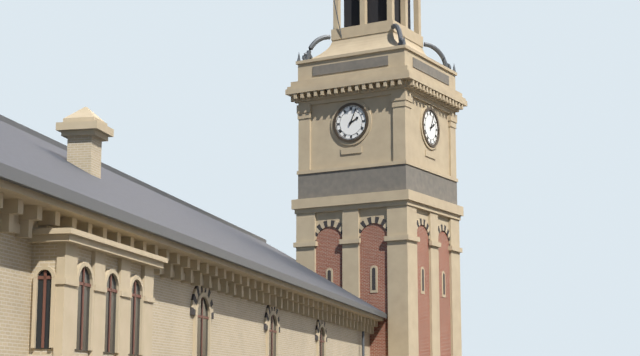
2:04
